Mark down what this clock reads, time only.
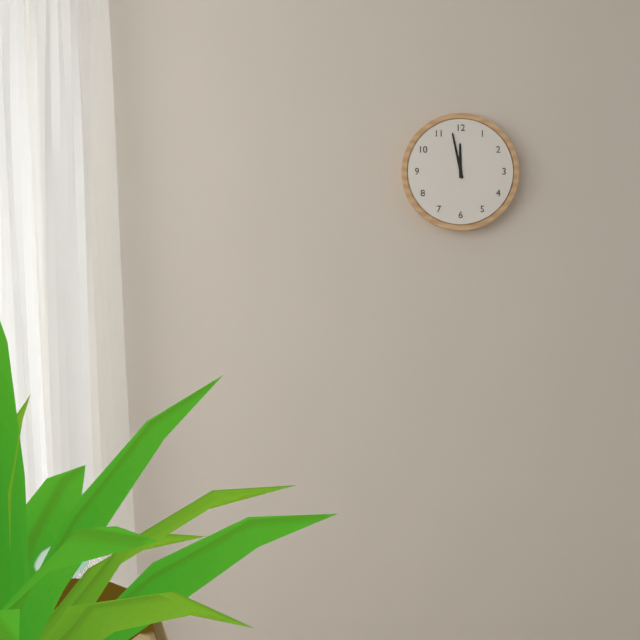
11:58
